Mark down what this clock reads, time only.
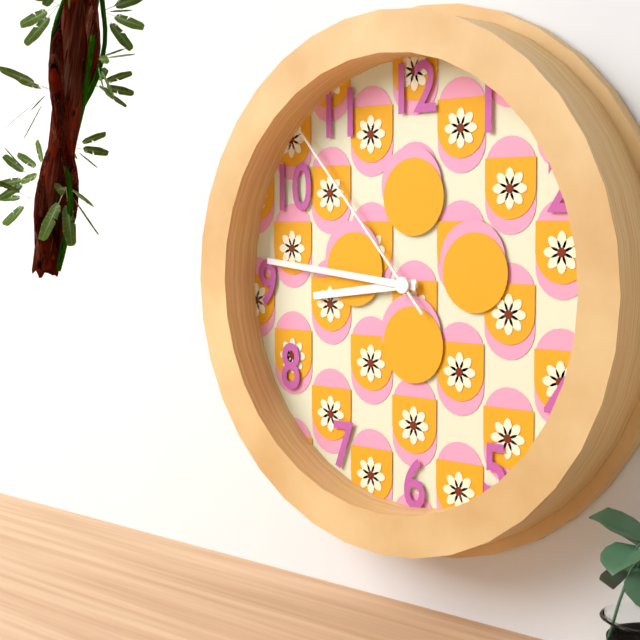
8:46:53
